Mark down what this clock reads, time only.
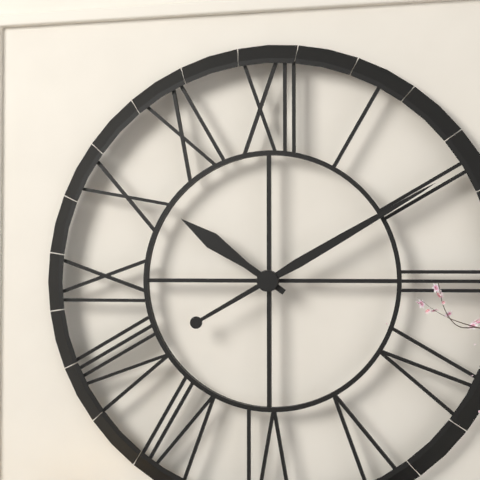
10:10
